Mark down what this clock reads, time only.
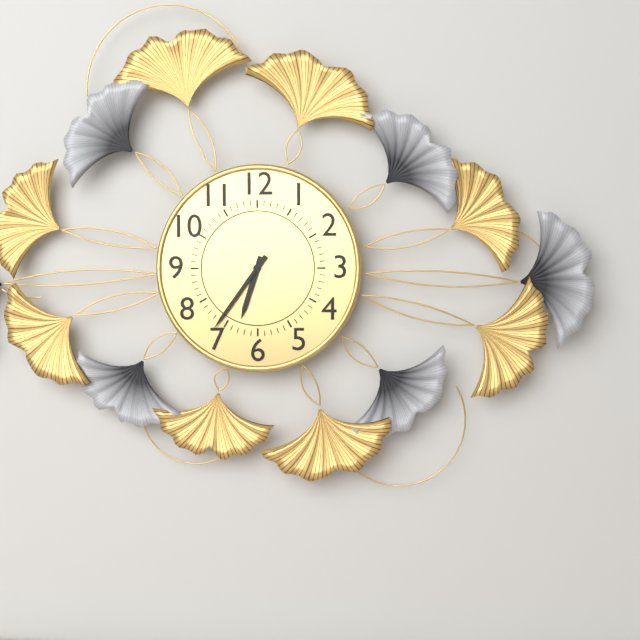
6:36
